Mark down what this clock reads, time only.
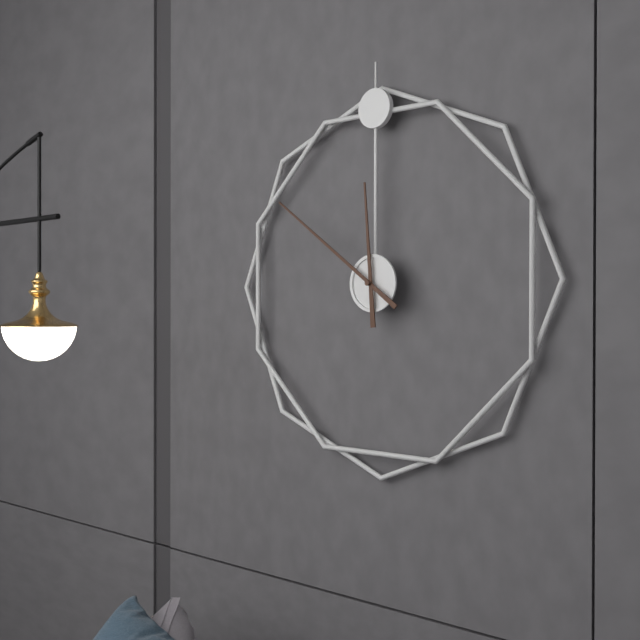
11:51
